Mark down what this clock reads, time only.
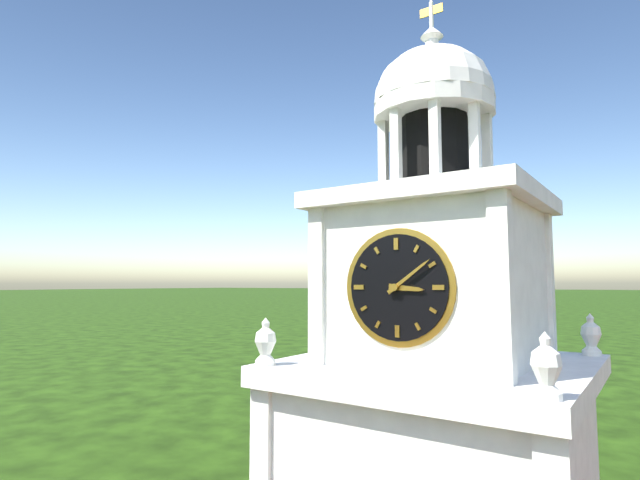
3:09
